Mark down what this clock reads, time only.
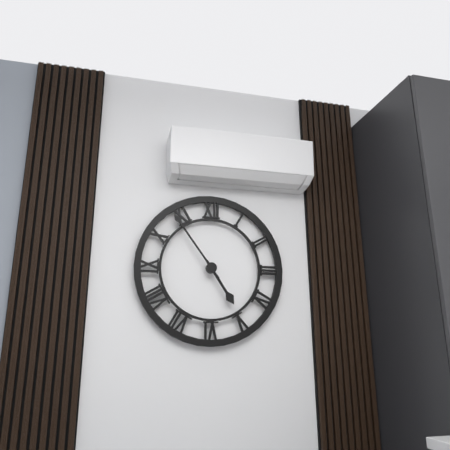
4:54
